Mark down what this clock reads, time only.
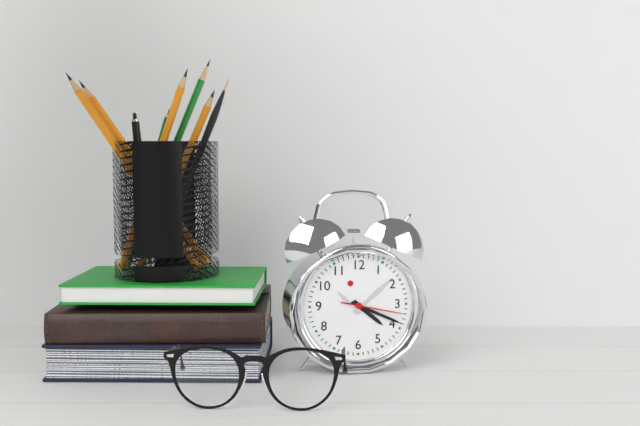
4:19:17
